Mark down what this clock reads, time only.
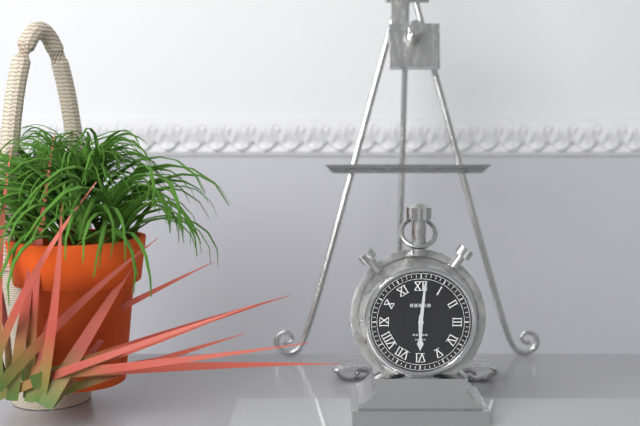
6:01
